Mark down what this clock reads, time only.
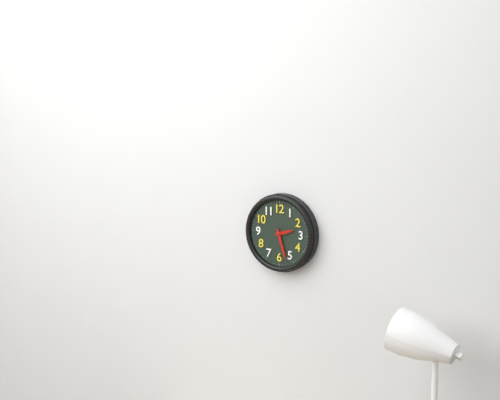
2:27
